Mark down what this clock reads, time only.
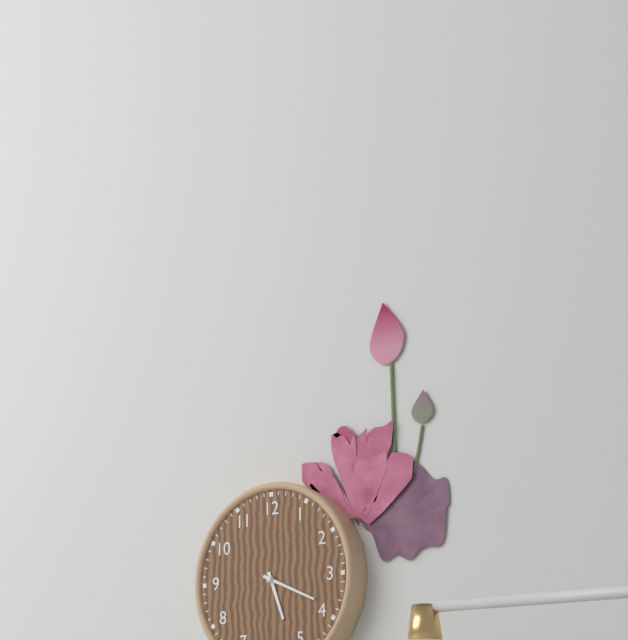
5:19
